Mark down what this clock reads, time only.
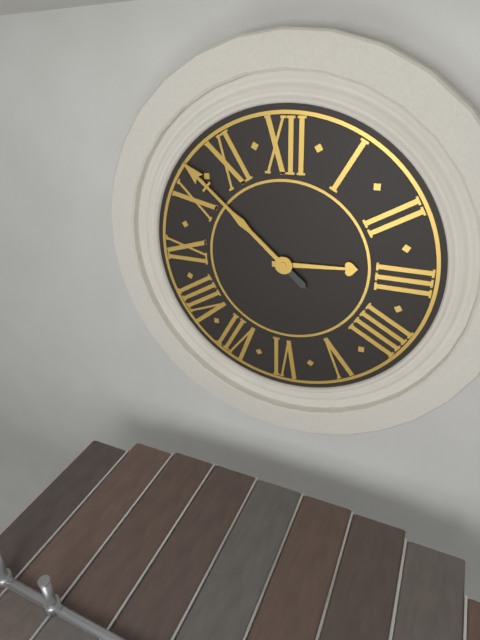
2:52
